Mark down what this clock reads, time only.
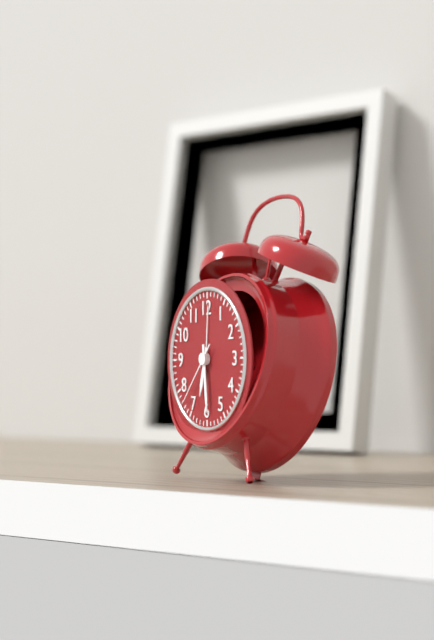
6:29:37
